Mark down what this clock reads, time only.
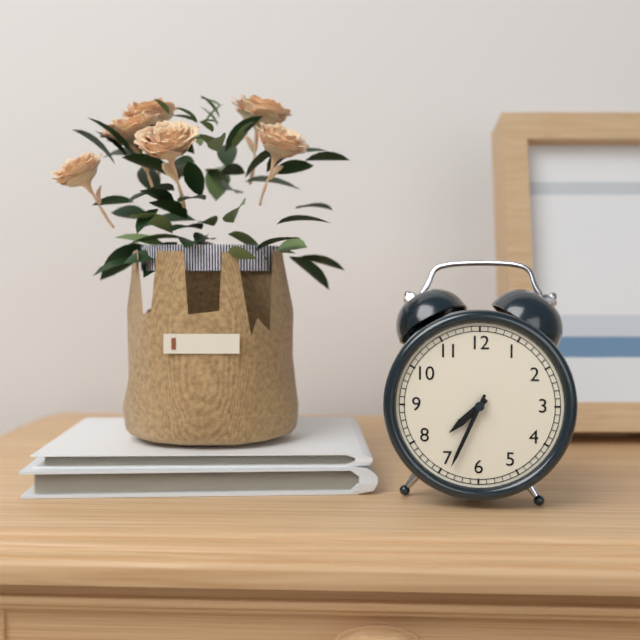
7:34
